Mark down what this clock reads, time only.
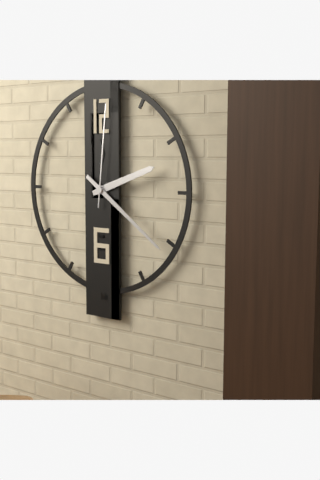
2:21:01
